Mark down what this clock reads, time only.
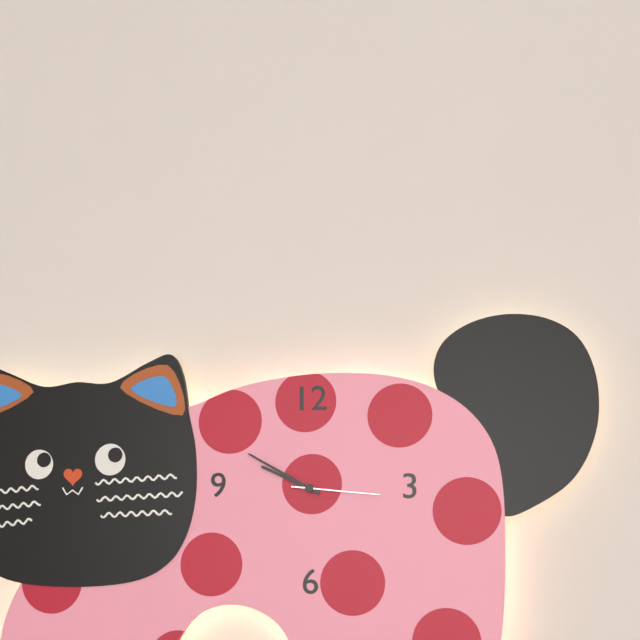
9:50:16
